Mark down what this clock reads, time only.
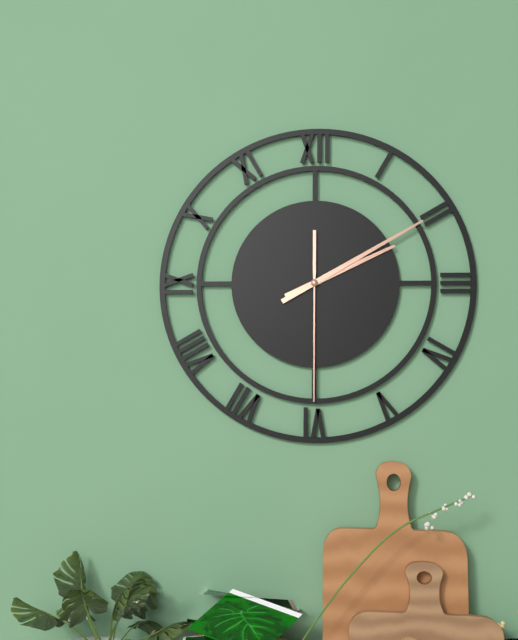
2:10:30
